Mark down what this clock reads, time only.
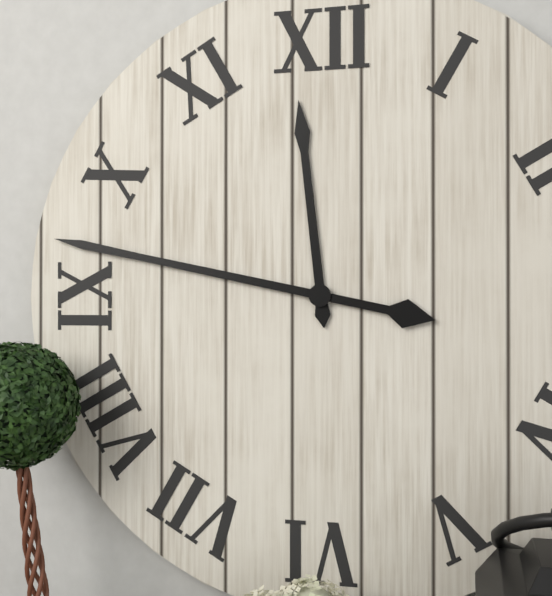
11:47
